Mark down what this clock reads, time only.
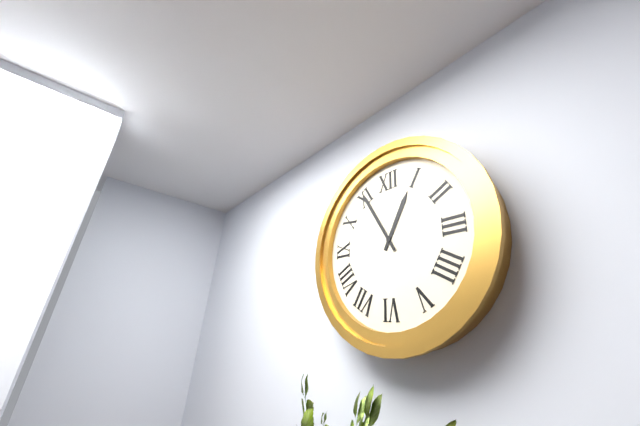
12:55
